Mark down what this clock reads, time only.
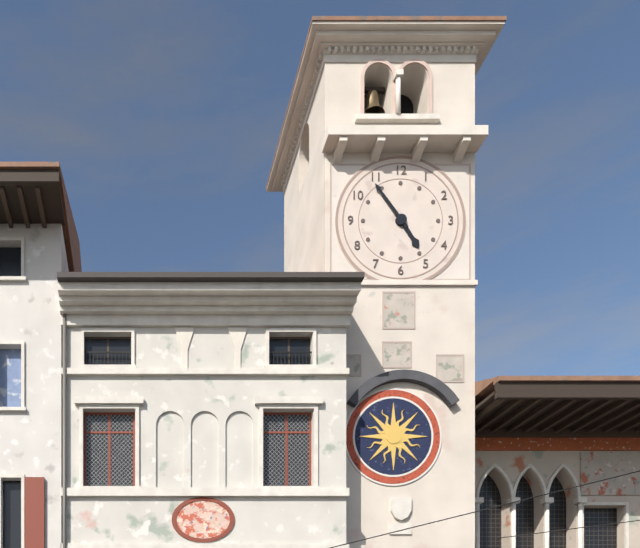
4:54
